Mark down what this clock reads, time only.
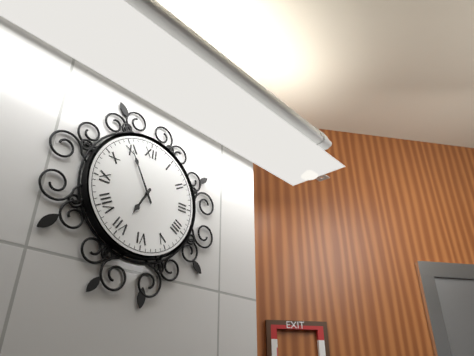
6:55
